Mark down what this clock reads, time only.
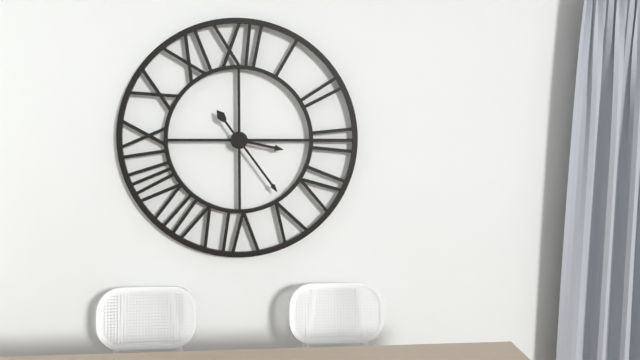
3:24
